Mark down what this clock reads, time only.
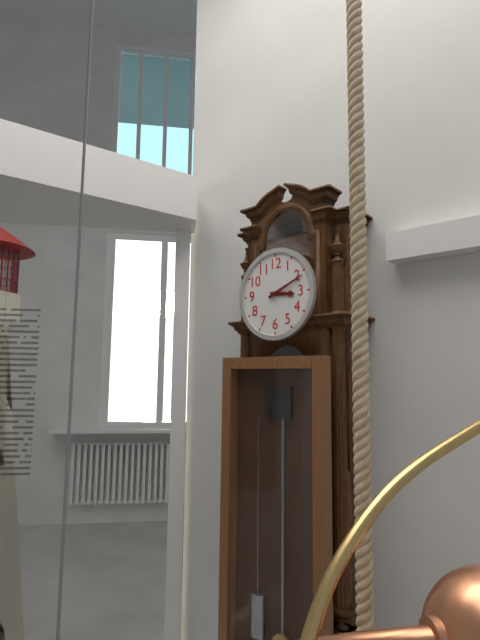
3:11
